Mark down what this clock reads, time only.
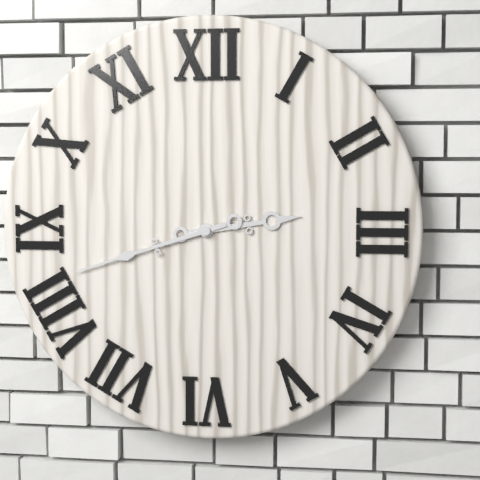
2:42
